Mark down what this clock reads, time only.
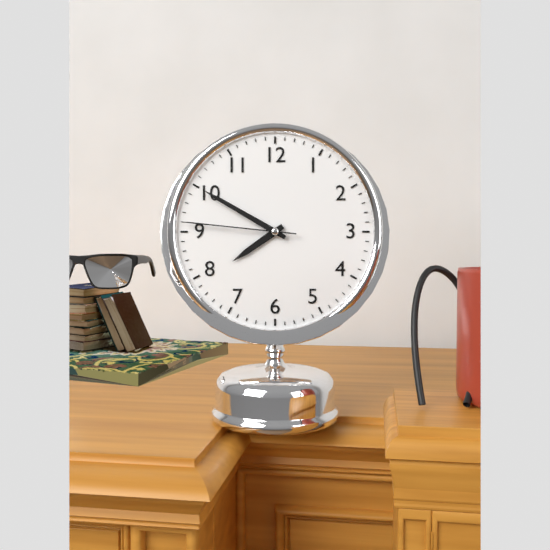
7:50:46
